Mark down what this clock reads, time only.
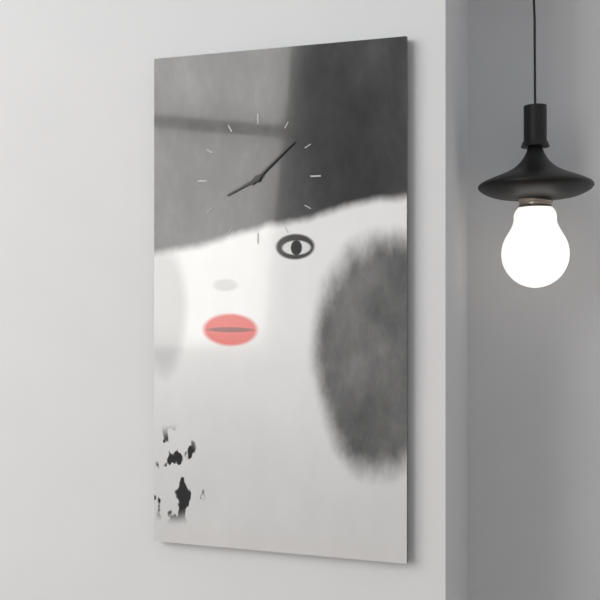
8:08
